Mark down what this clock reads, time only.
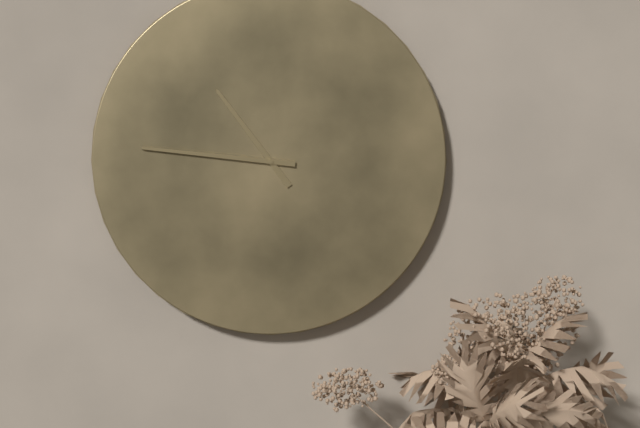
10:46
